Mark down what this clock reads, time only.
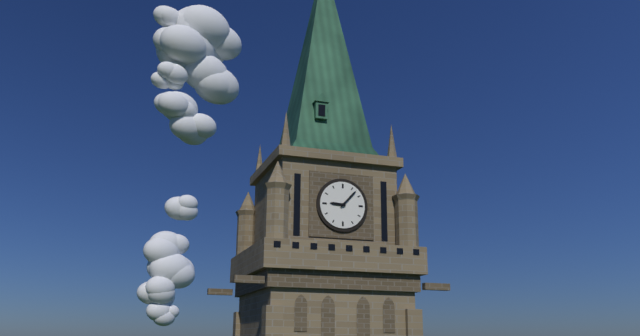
9:07
